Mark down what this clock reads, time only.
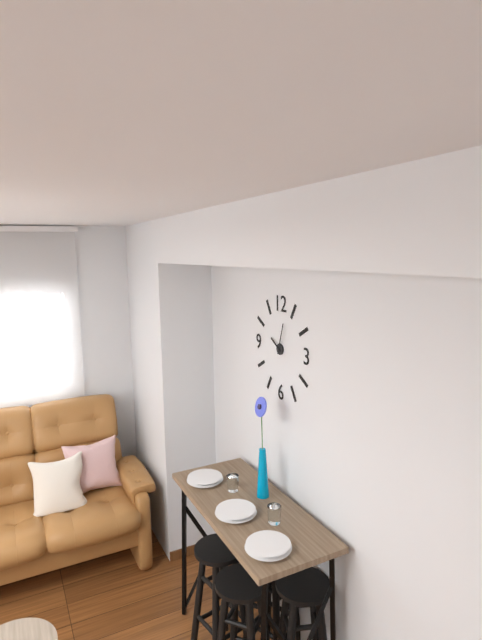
10:03
